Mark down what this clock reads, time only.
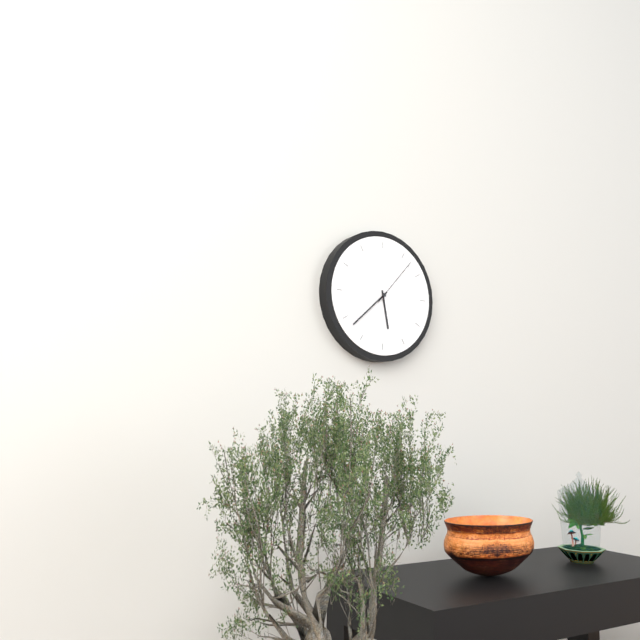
5:38:07
